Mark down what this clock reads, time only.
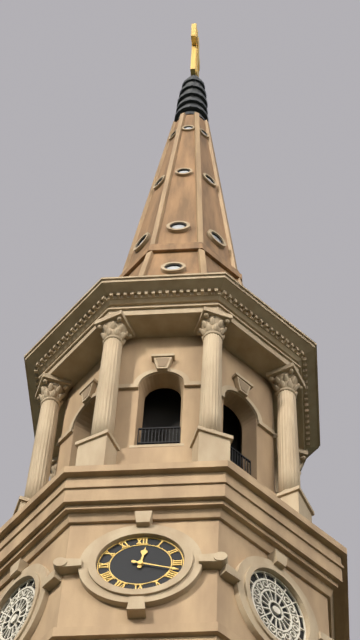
12:18
